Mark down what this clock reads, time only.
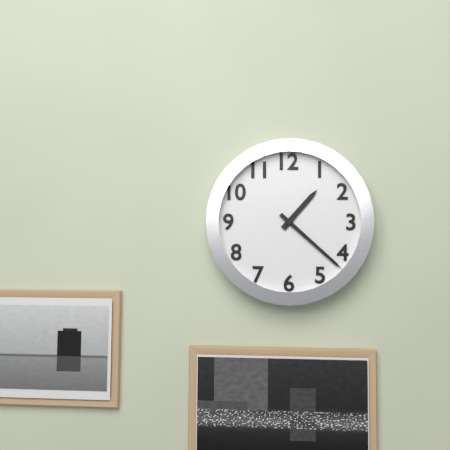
1:22
